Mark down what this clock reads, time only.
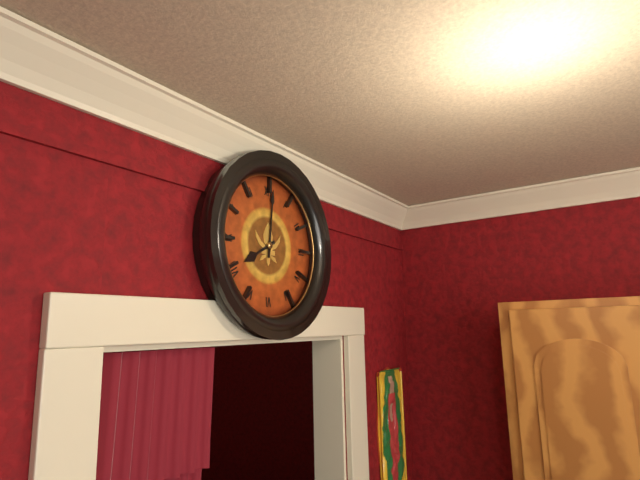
8:01
